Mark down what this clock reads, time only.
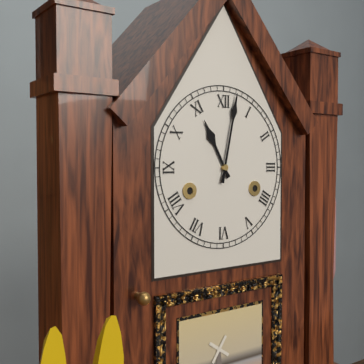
11:02
